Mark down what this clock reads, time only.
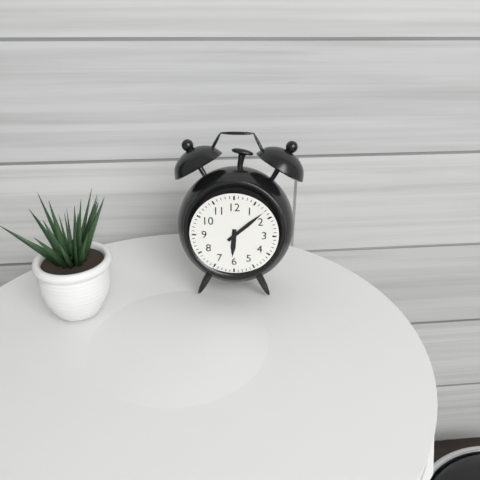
6:08
